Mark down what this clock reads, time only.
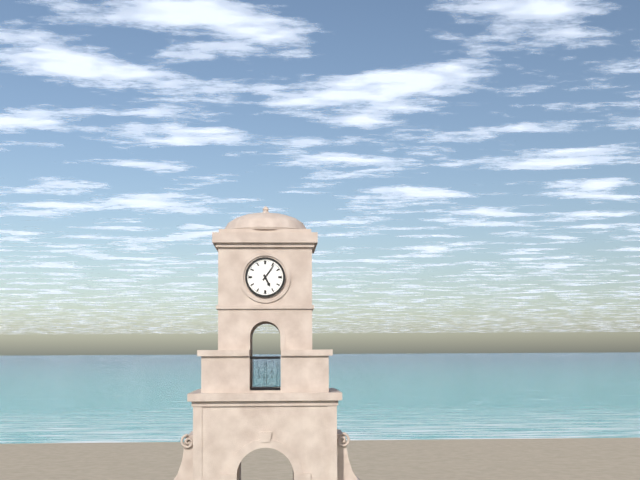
5:06
